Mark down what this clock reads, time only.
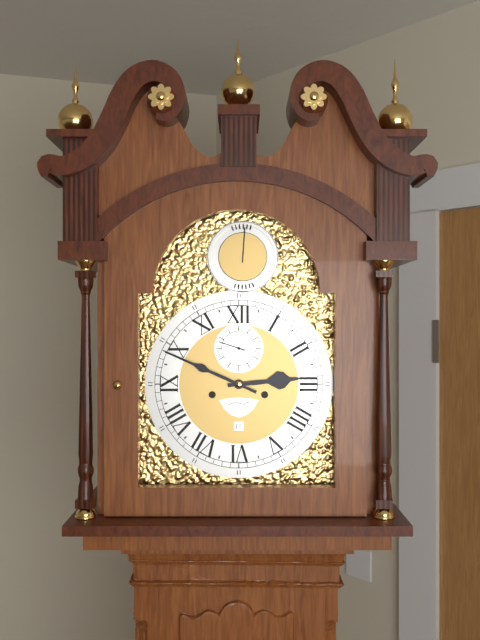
2:49
